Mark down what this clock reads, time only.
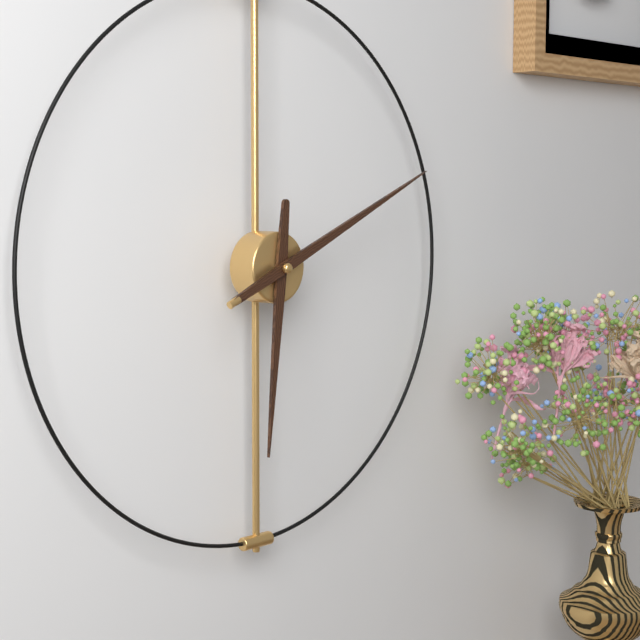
6:11
